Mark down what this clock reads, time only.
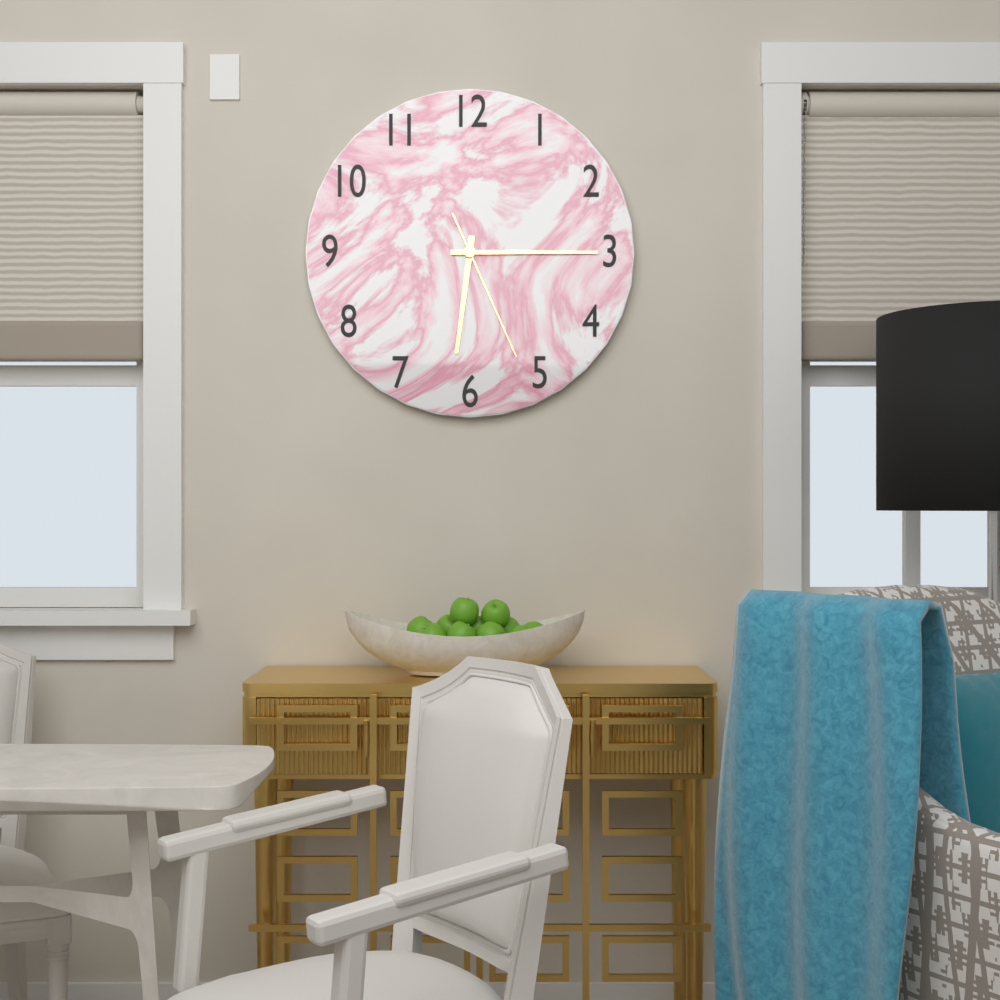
6:15:26
